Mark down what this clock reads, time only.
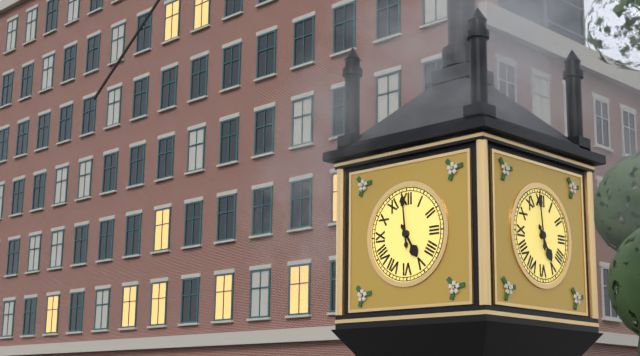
4:59
